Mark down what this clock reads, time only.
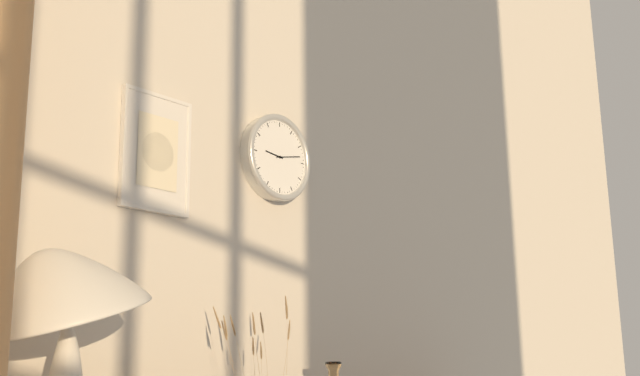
9:13
